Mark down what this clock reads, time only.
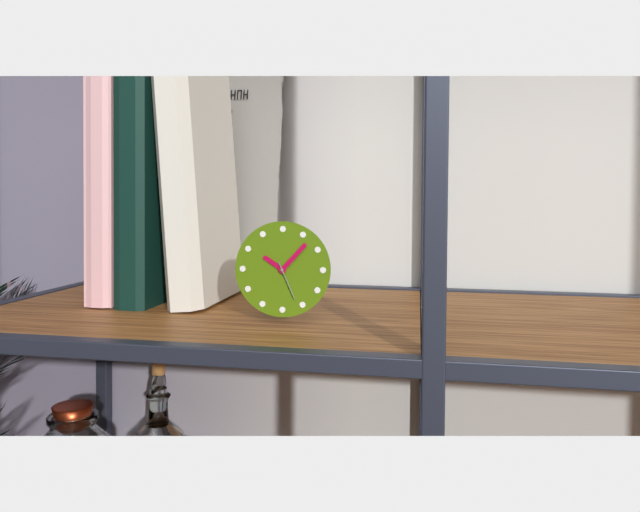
10:07
